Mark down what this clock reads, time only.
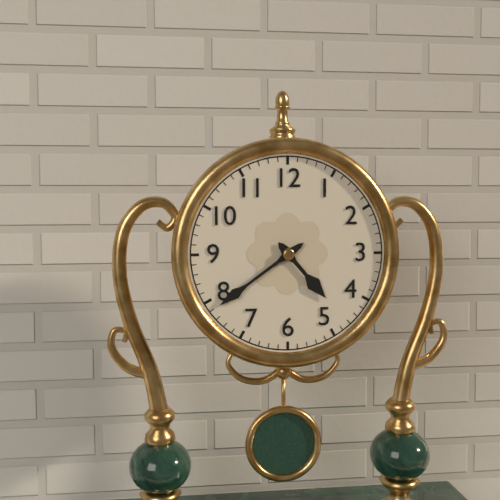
4:39
